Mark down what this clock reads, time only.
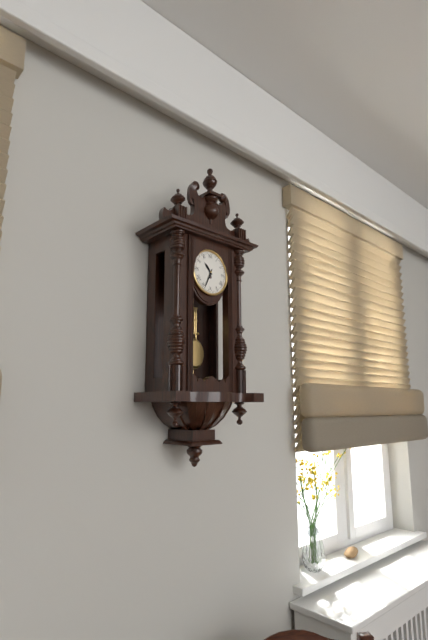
10:34
